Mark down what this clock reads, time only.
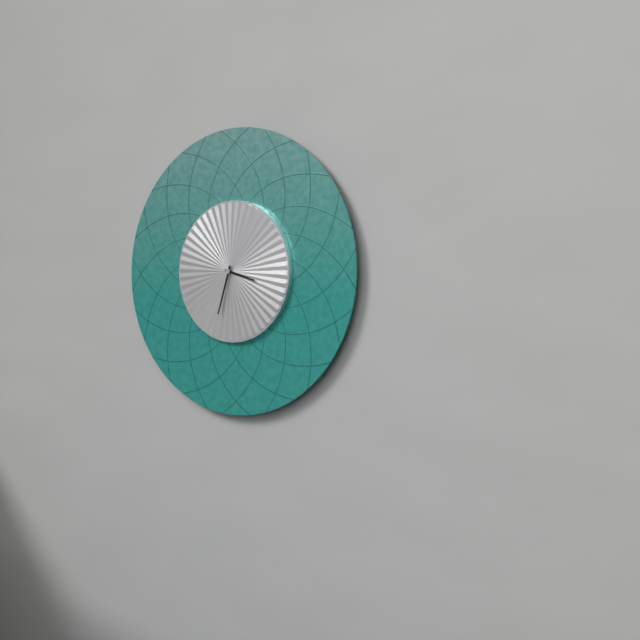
3:33
